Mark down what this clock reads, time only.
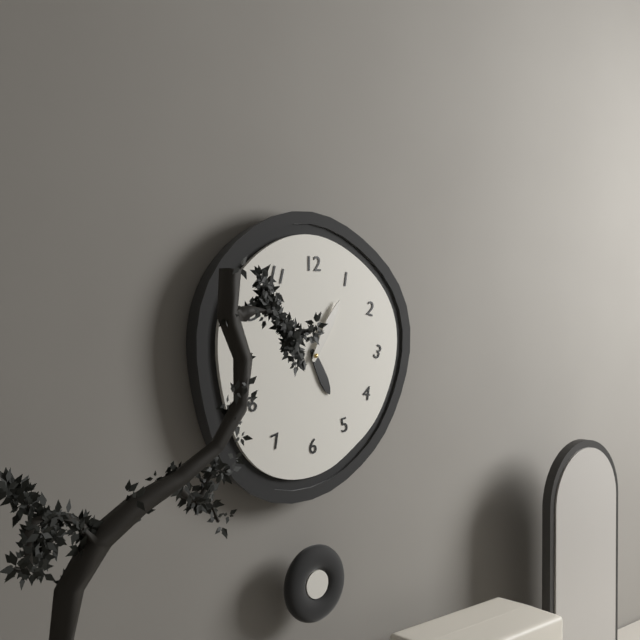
5:05
